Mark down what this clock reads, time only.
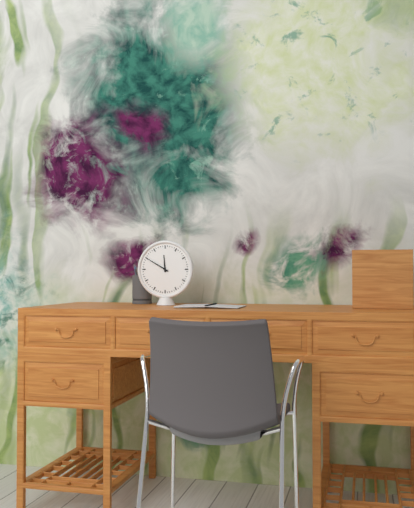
11:50
